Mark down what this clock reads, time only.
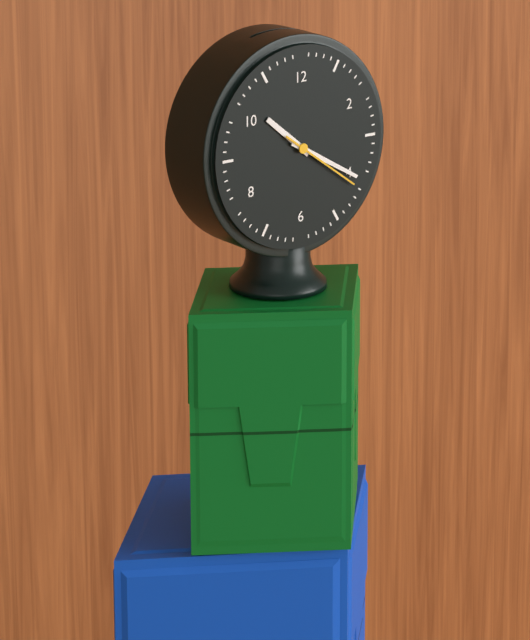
10:20:21
